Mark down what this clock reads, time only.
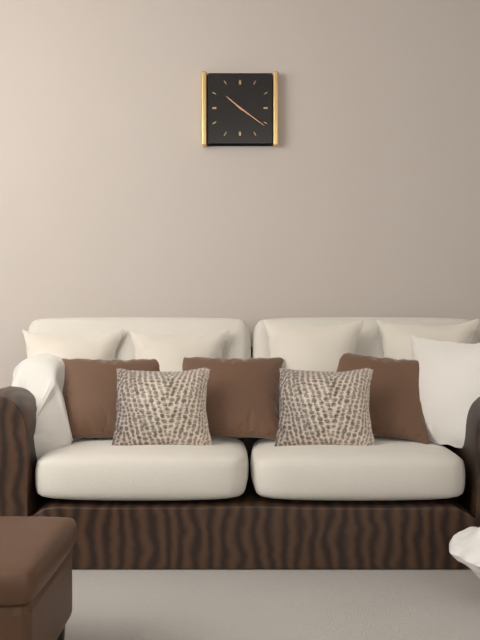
10:21
